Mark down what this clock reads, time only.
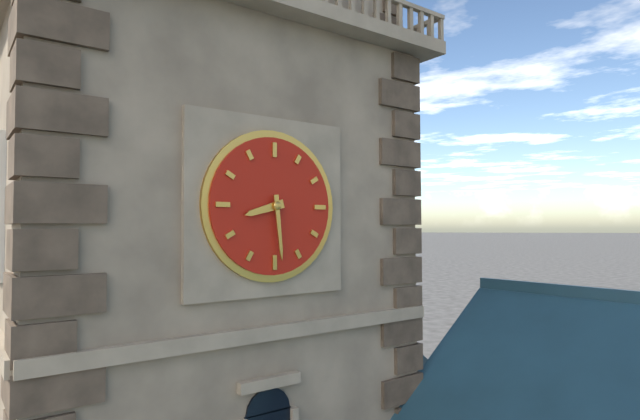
8:29
